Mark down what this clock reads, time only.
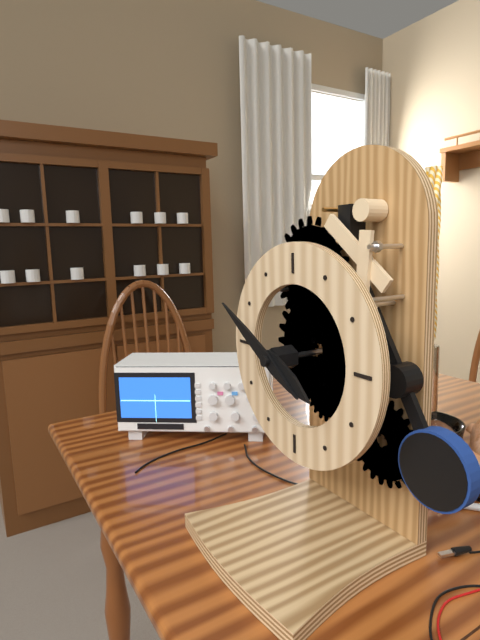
3:50
